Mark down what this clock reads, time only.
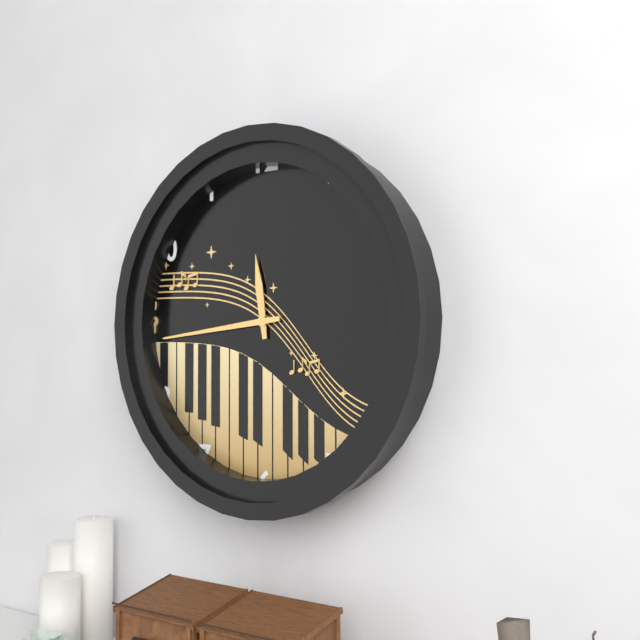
11:44
